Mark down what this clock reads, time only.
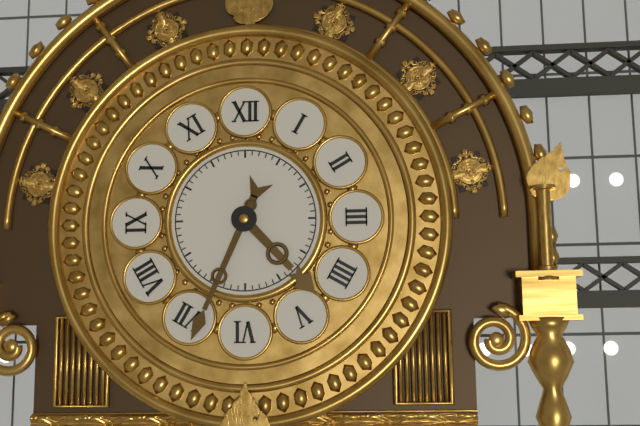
4:34
